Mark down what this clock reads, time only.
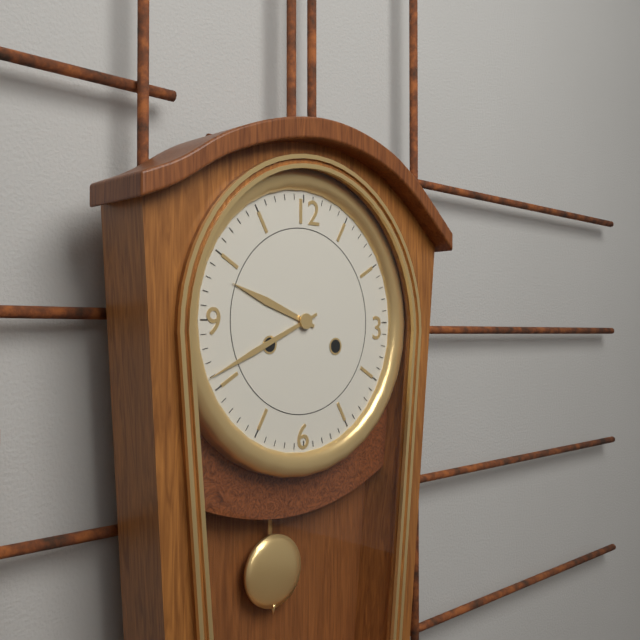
9:41
